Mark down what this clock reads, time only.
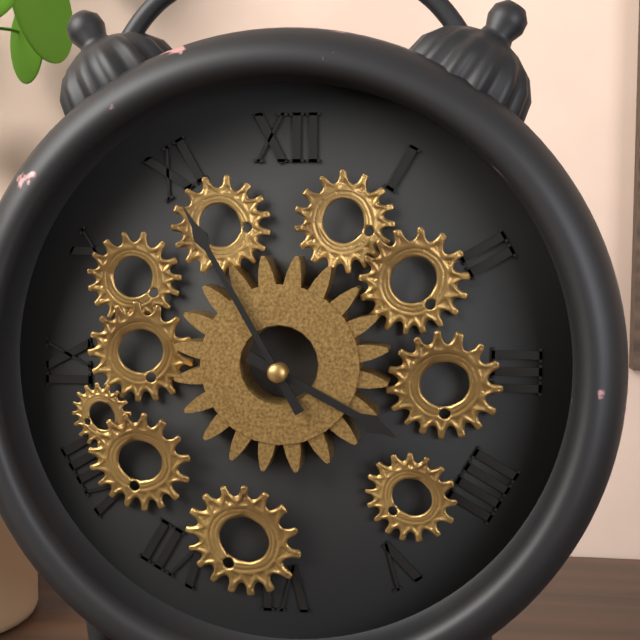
3:55
